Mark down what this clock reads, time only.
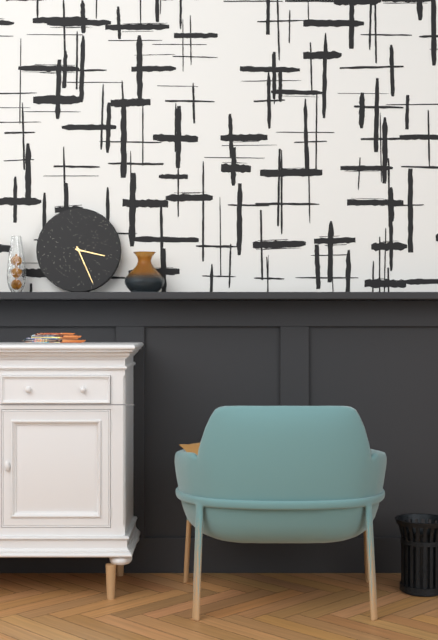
3:26
